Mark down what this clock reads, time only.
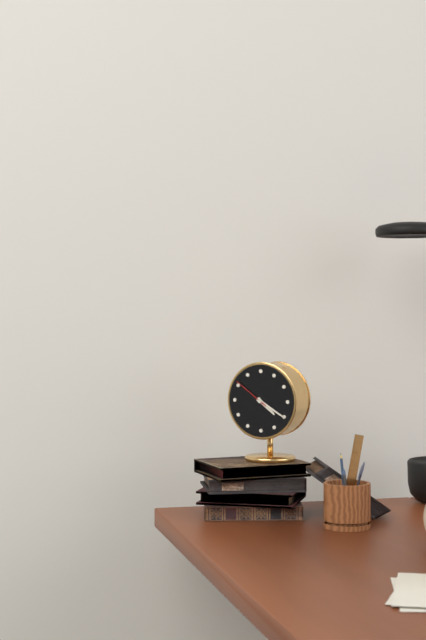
4:20
